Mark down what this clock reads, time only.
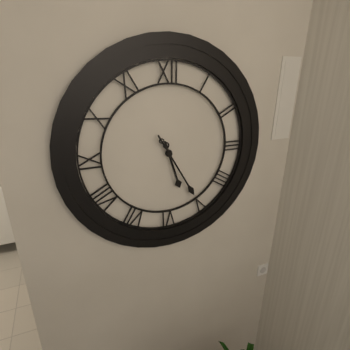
5:25
